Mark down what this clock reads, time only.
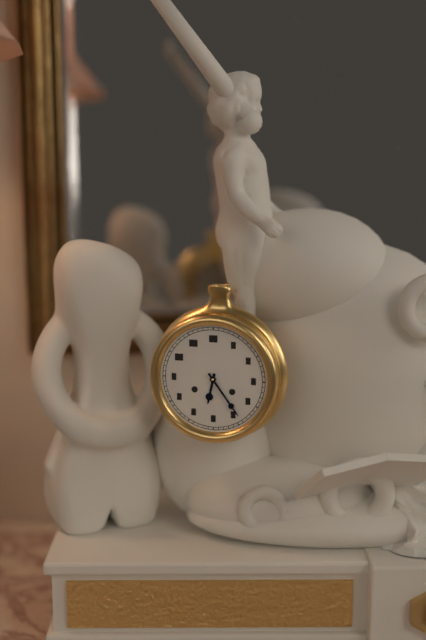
6:24
